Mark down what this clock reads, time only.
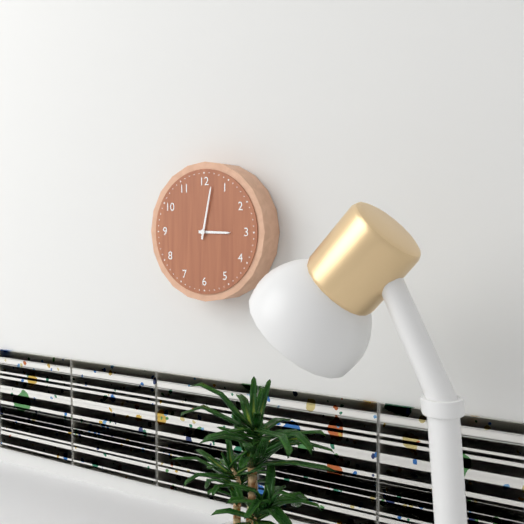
3:02
